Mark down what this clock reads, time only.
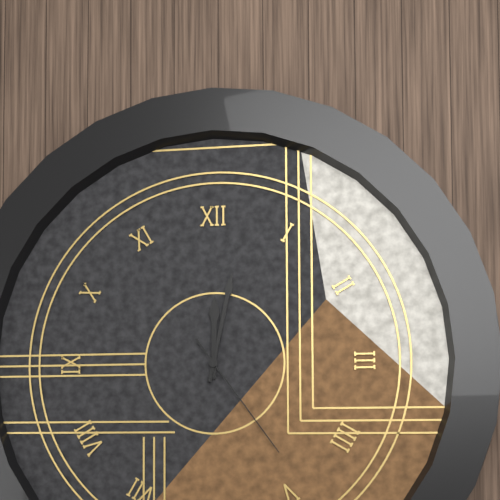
12:02:24
